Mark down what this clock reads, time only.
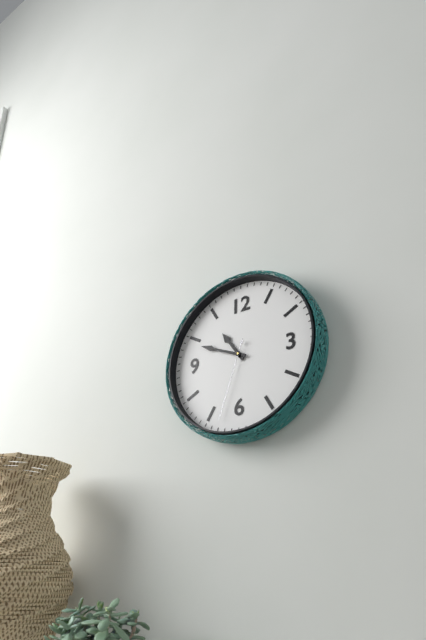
10:49:33
